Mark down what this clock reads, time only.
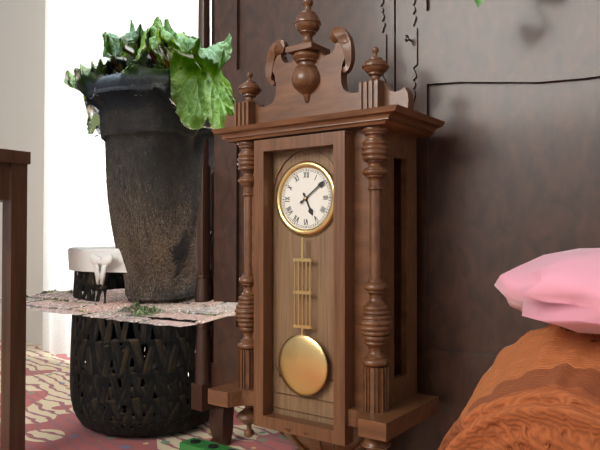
5:09
